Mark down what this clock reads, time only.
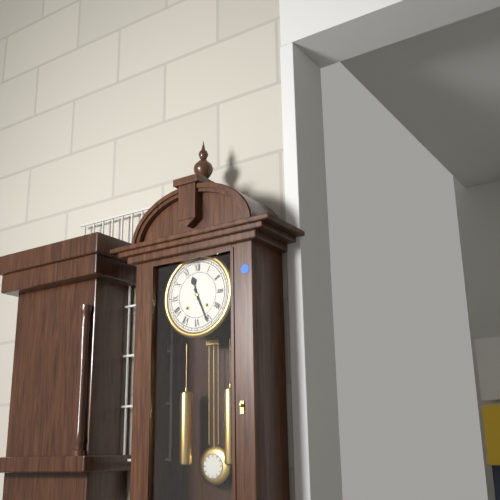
11:26
